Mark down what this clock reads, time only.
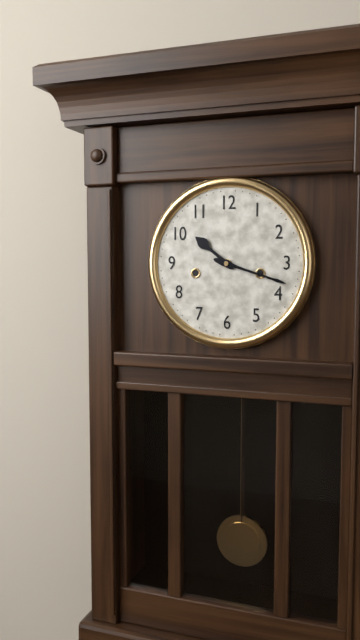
10:18
